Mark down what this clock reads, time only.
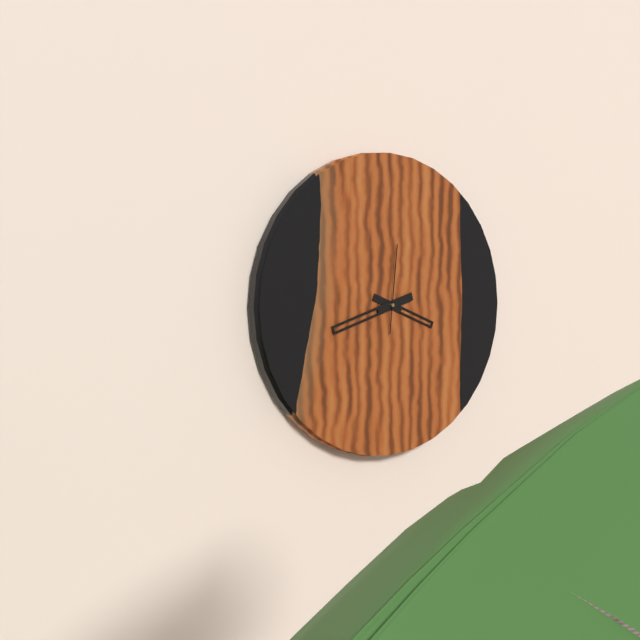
3:42:01
